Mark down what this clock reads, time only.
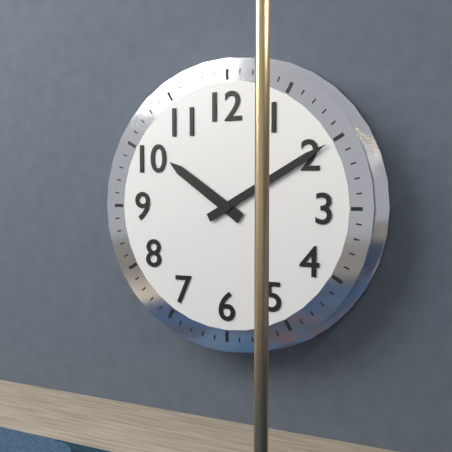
10:10
